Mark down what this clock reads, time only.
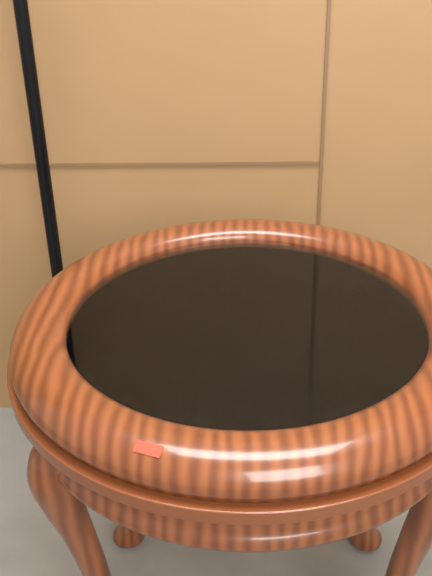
10:21
